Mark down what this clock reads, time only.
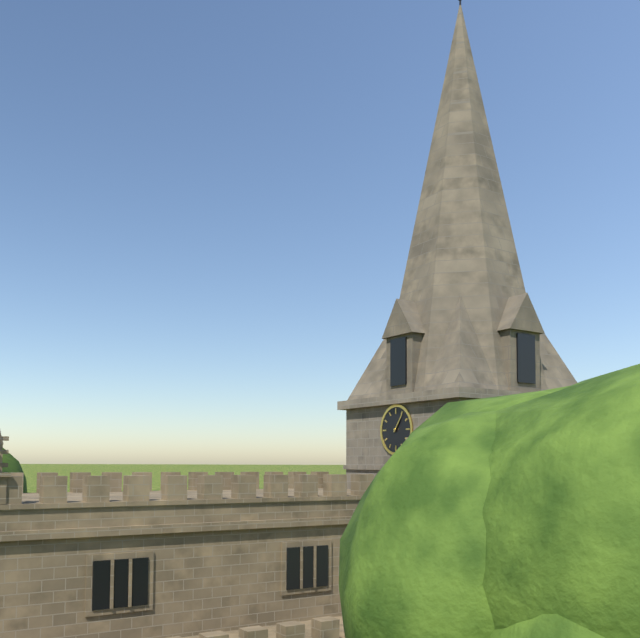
1:06
